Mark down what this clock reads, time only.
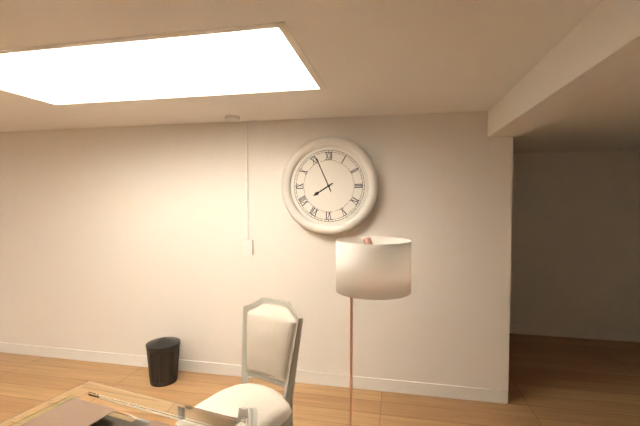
7:56
